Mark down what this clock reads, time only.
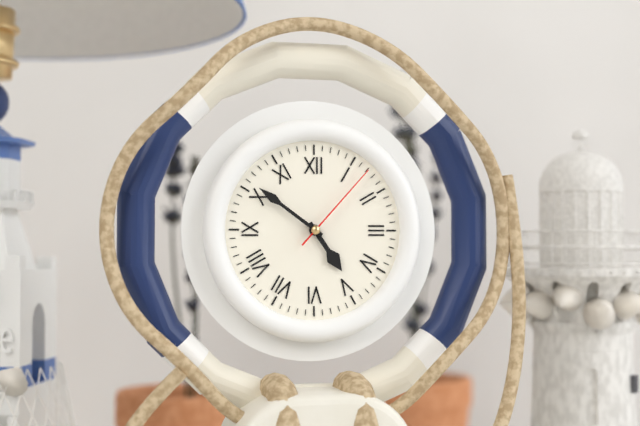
4:51:07
